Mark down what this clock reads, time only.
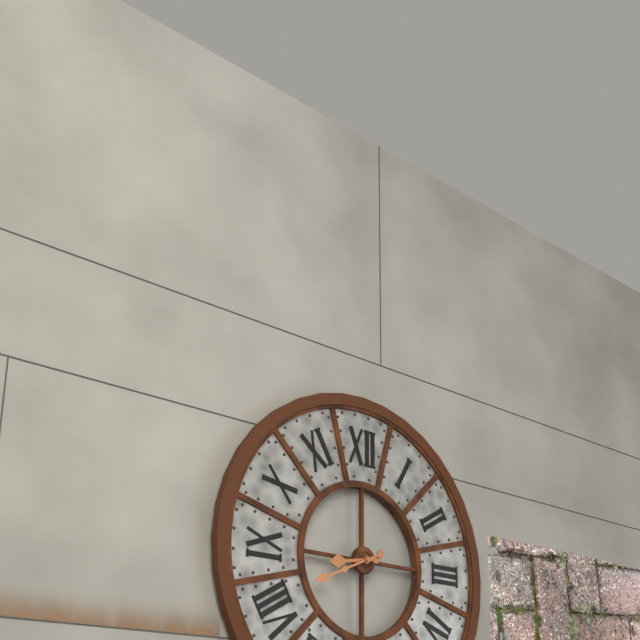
8:41
